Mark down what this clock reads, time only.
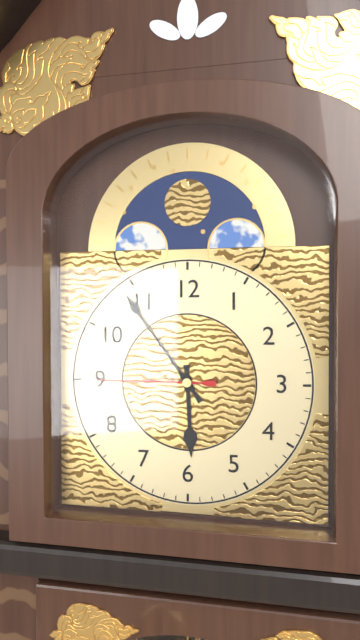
5:54:45
